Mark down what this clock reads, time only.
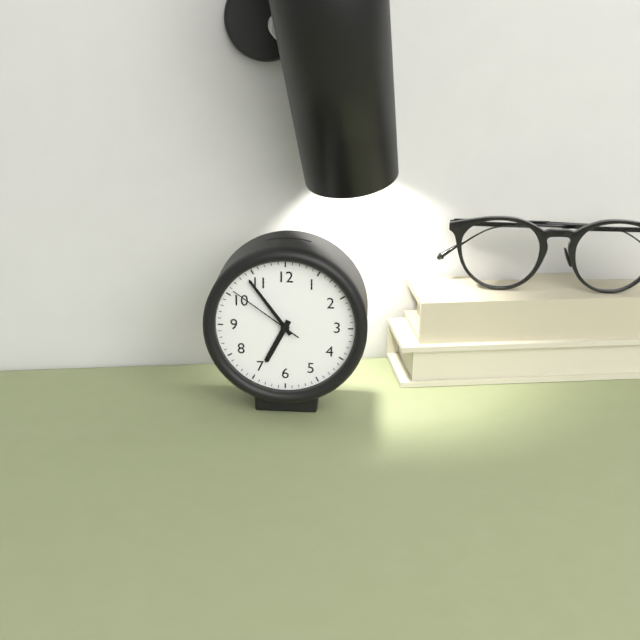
6:54:51
